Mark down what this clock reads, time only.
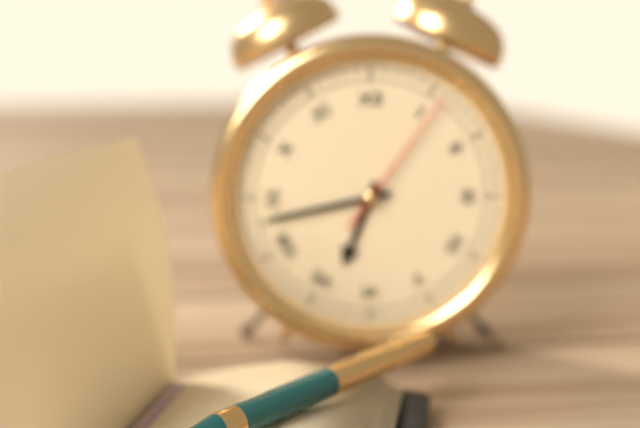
6:43:06
